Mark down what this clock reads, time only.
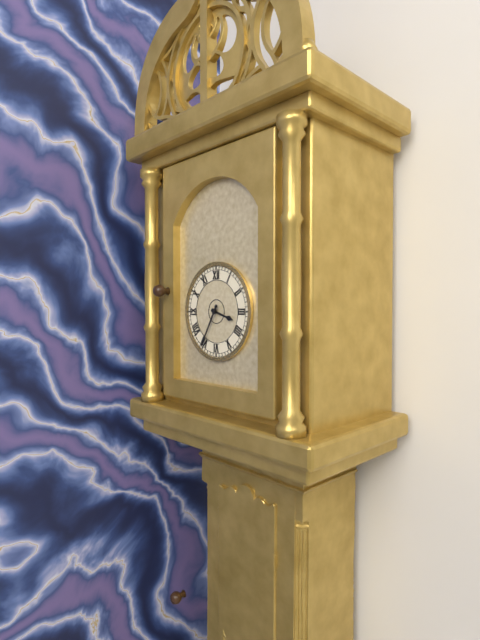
3:35
